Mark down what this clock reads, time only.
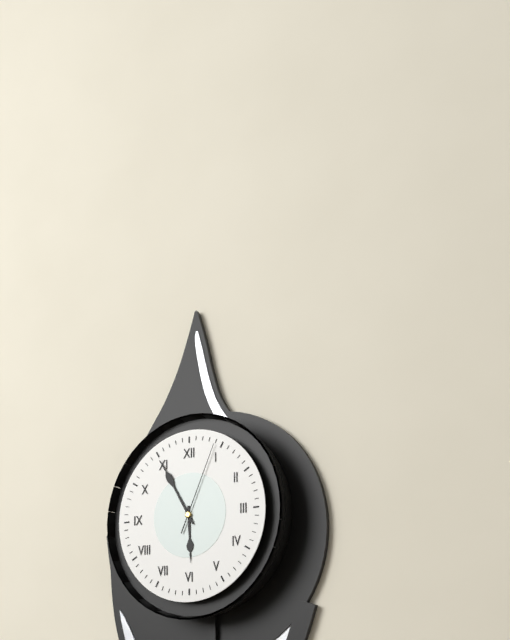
5:55:04
